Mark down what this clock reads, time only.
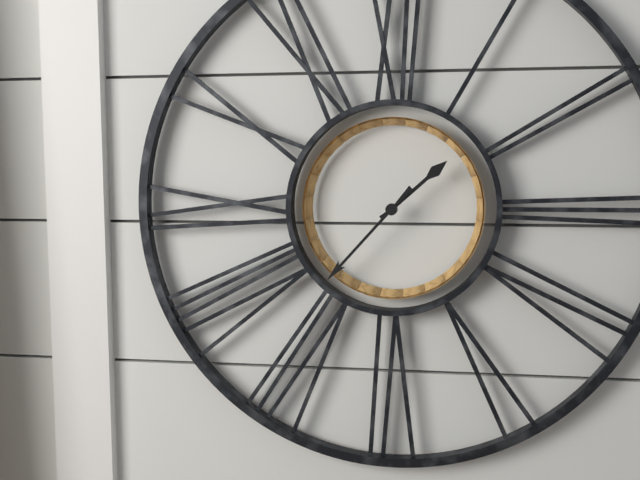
1:37
